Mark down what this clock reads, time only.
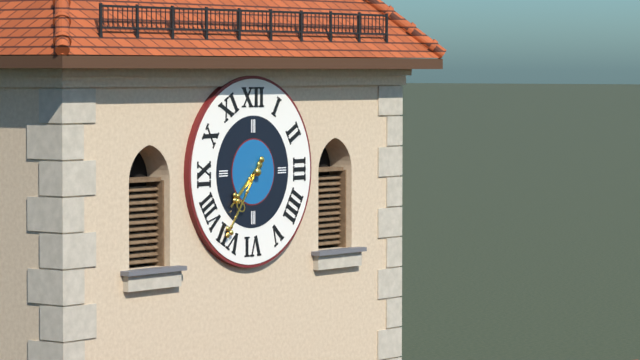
7:36
